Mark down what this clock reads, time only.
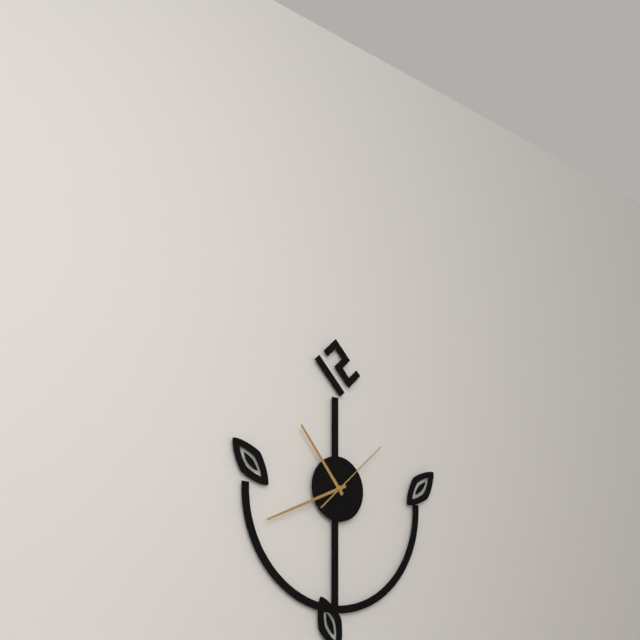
10:41:08
